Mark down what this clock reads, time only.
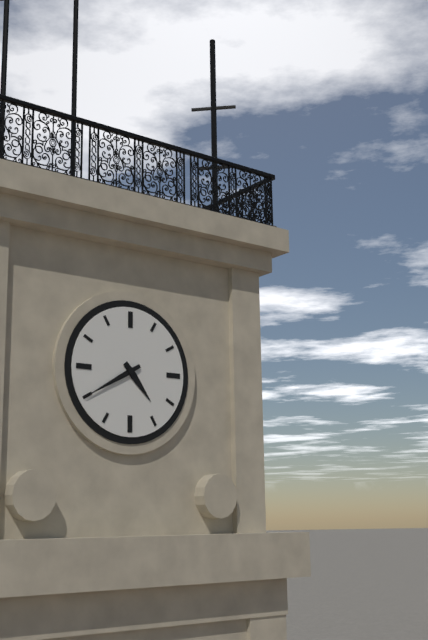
4:40
